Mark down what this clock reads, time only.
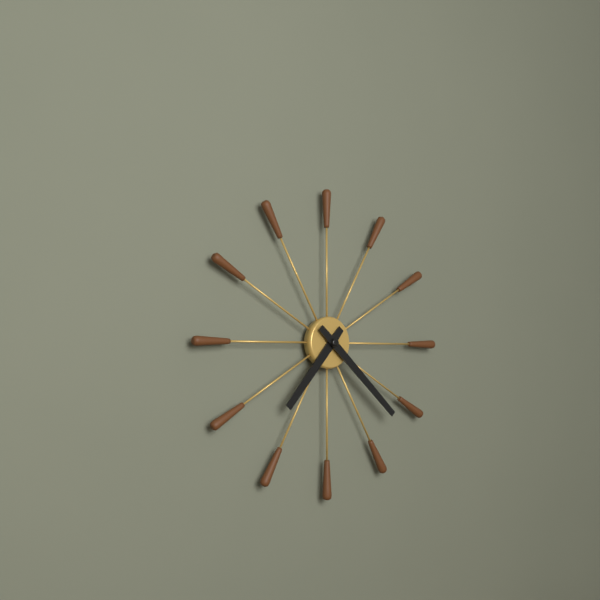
7:22
